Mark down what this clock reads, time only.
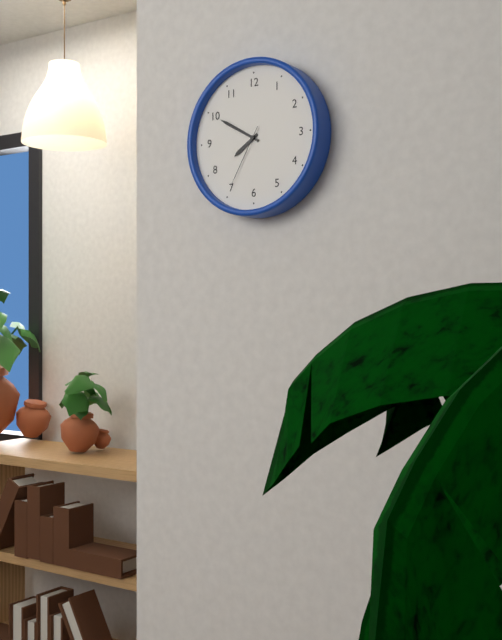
7:50:35
